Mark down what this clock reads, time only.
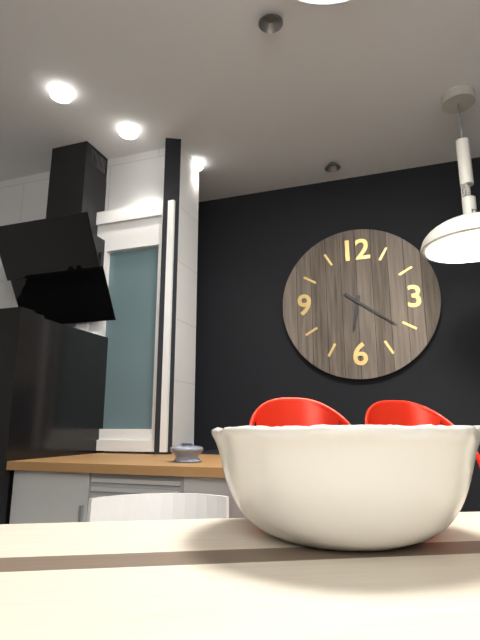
6:21
